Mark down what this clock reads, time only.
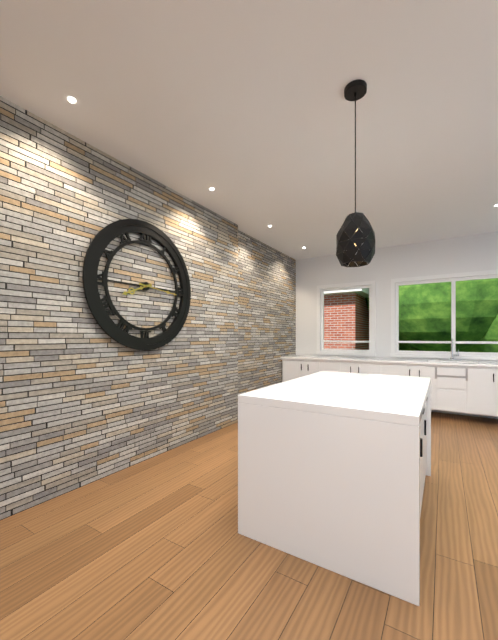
8:16
